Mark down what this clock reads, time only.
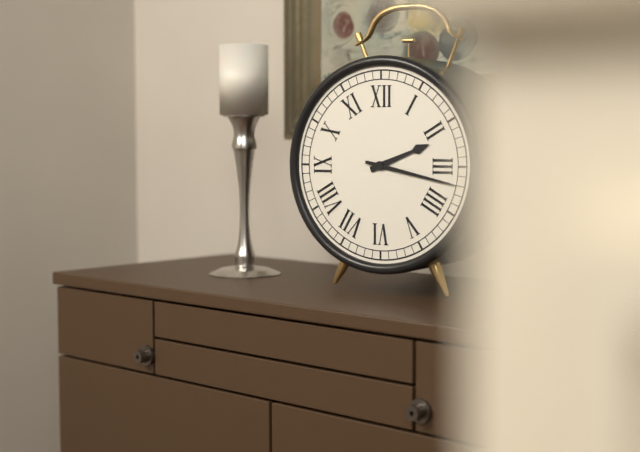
2:17
